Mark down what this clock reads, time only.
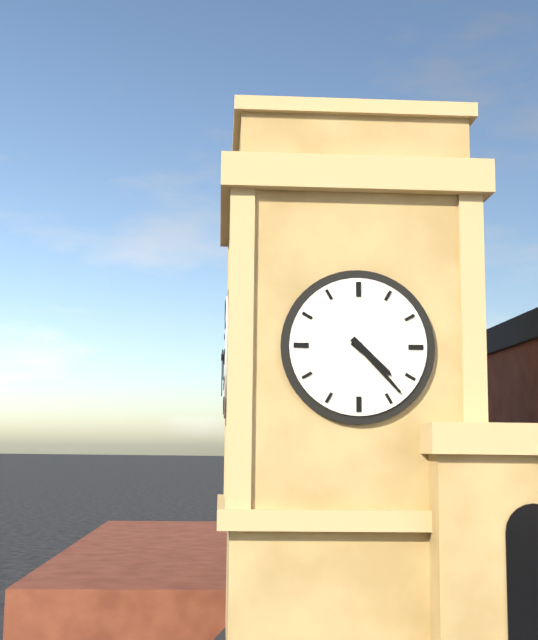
4:23
